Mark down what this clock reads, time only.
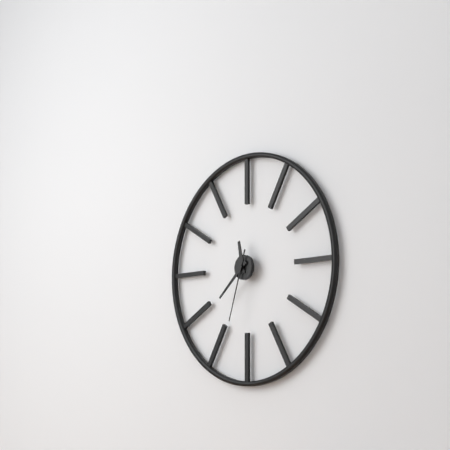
11:38:33
